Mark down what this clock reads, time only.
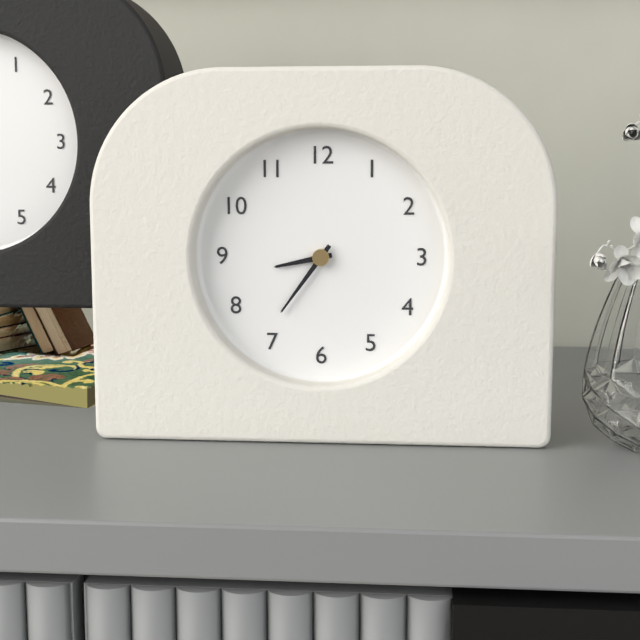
8:36
